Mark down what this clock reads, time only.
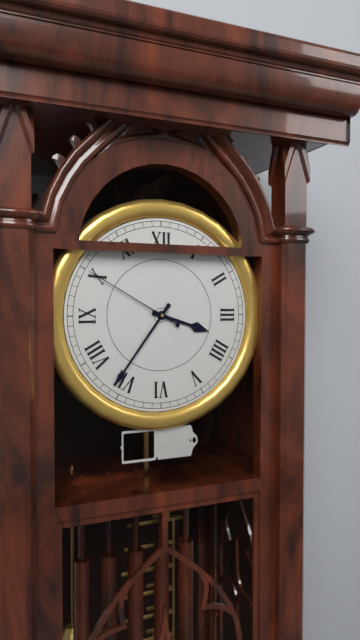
3:36:50
